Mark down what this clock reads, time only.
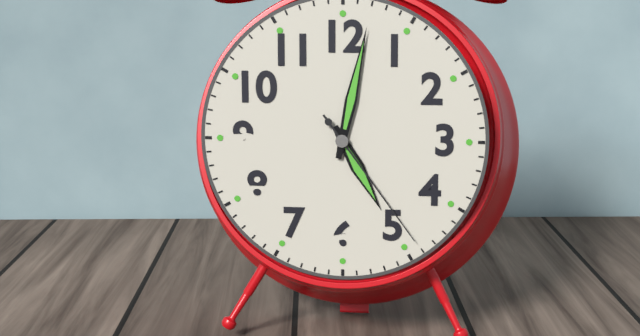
5:02:24
